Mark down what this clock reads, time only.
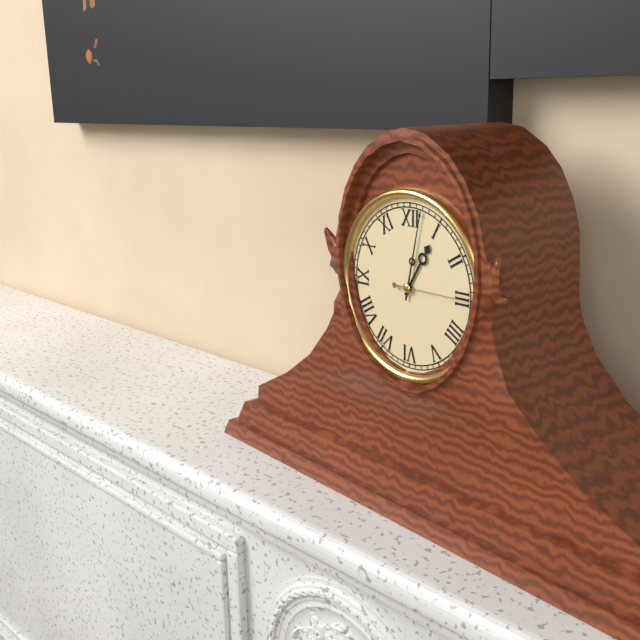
1:02:15
